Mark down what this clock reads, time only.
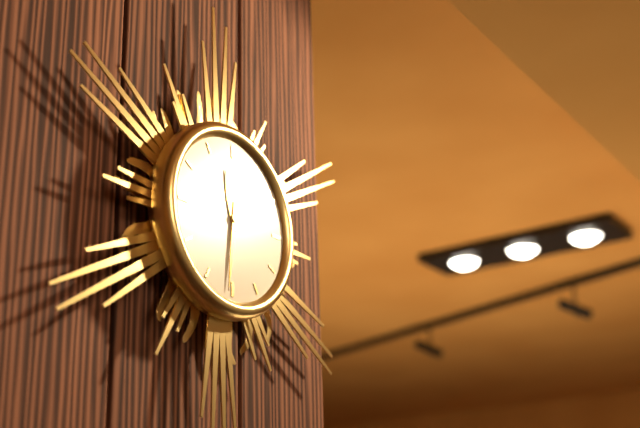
11:31
